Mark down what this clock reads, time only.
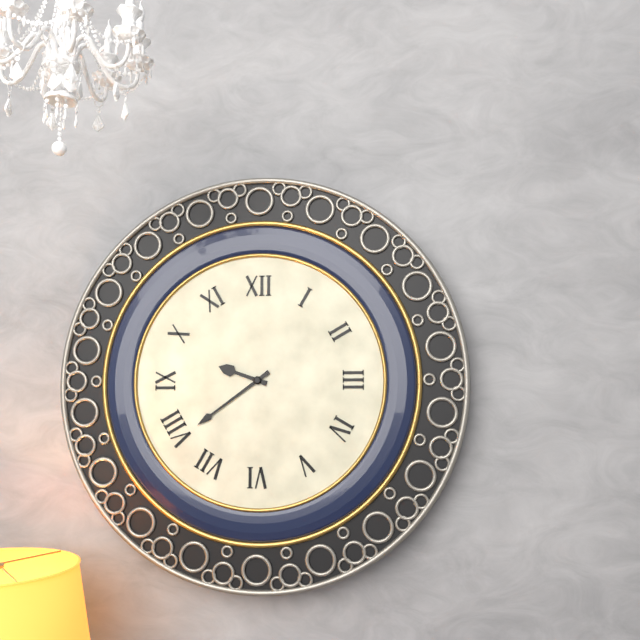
9:39
